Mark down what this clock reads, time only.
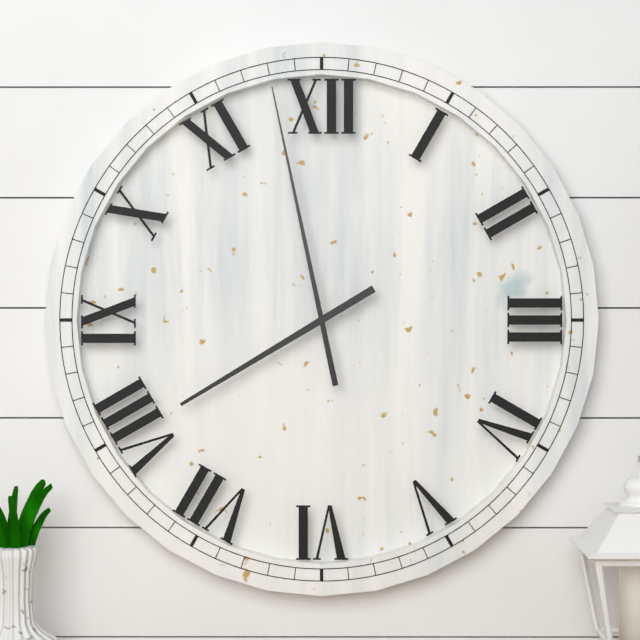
7:58
